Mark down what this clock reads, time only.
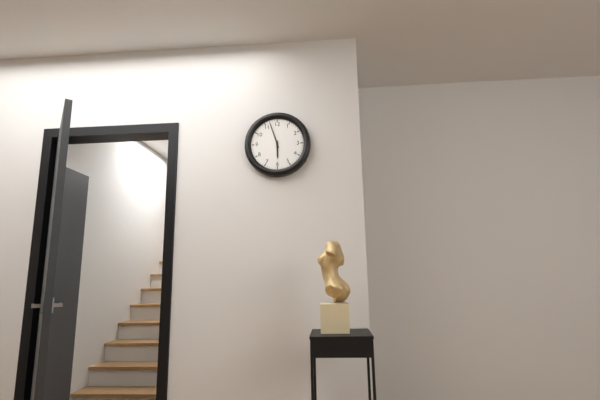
5:57
